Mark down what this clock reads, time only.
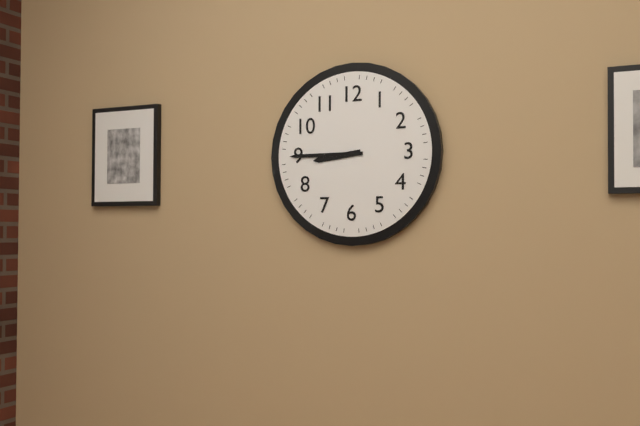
8:45
